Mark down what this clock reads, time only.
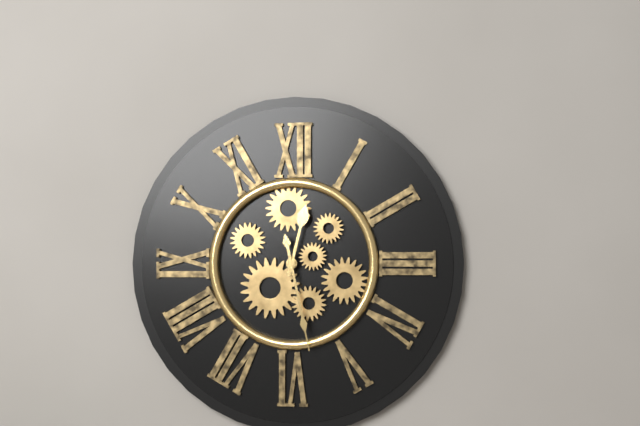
12:28
